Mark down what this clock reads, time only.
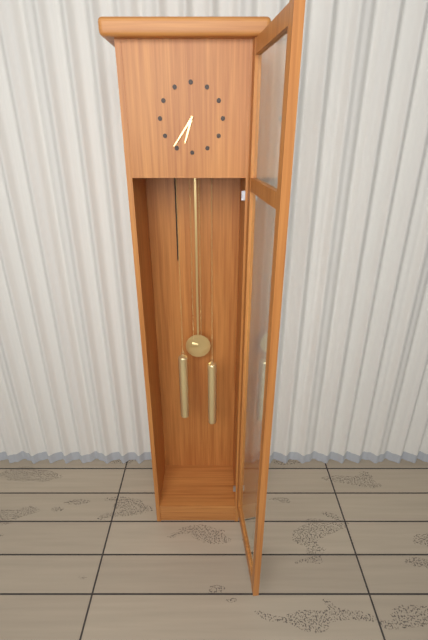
6:36
